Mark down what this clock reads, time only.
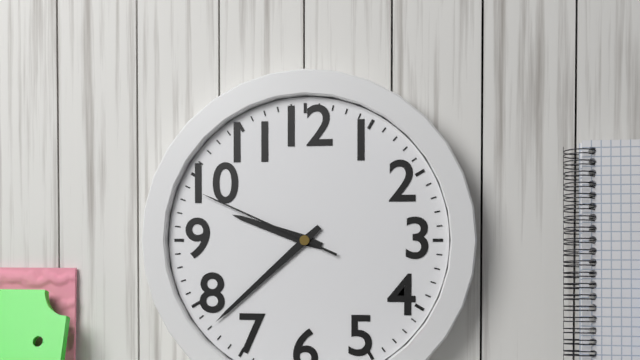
9:38:49
